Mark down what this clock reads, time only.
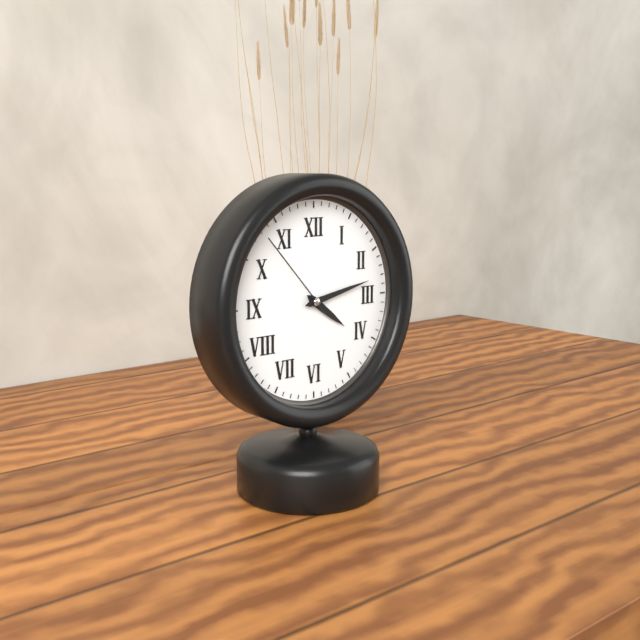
4:13:53
